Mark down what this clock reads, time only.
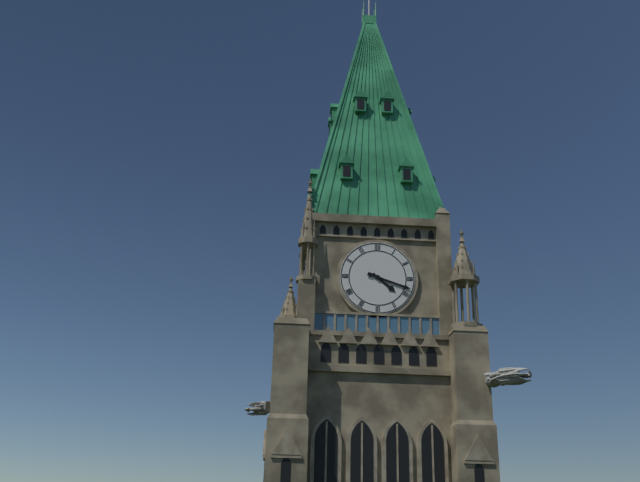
4:18
